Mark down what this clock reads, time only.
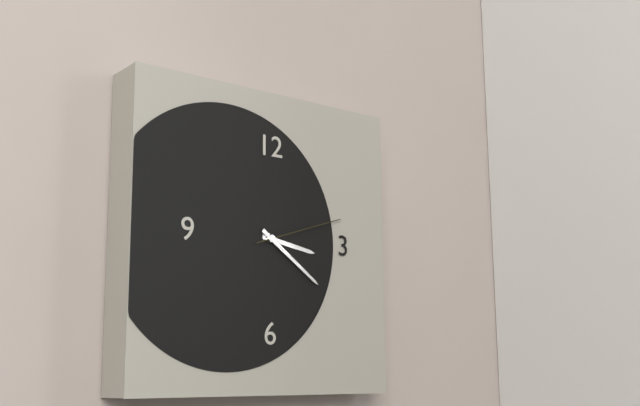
3:21:12
